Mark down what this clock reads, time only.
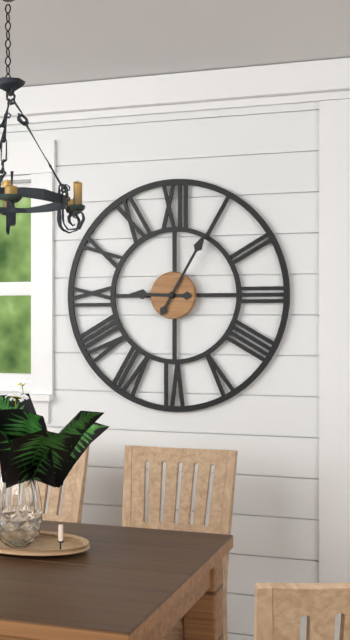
9:05
